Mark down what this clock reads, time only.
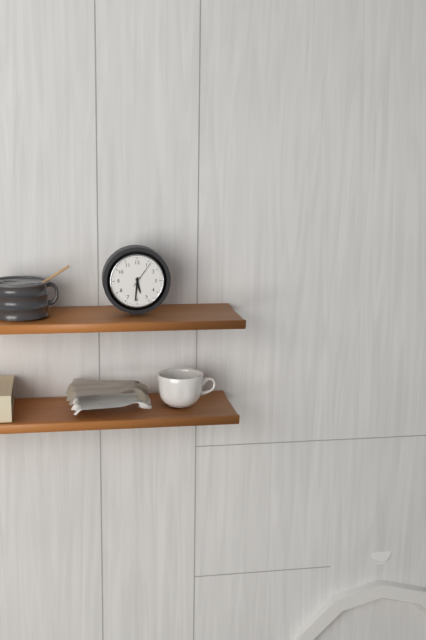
5:31
